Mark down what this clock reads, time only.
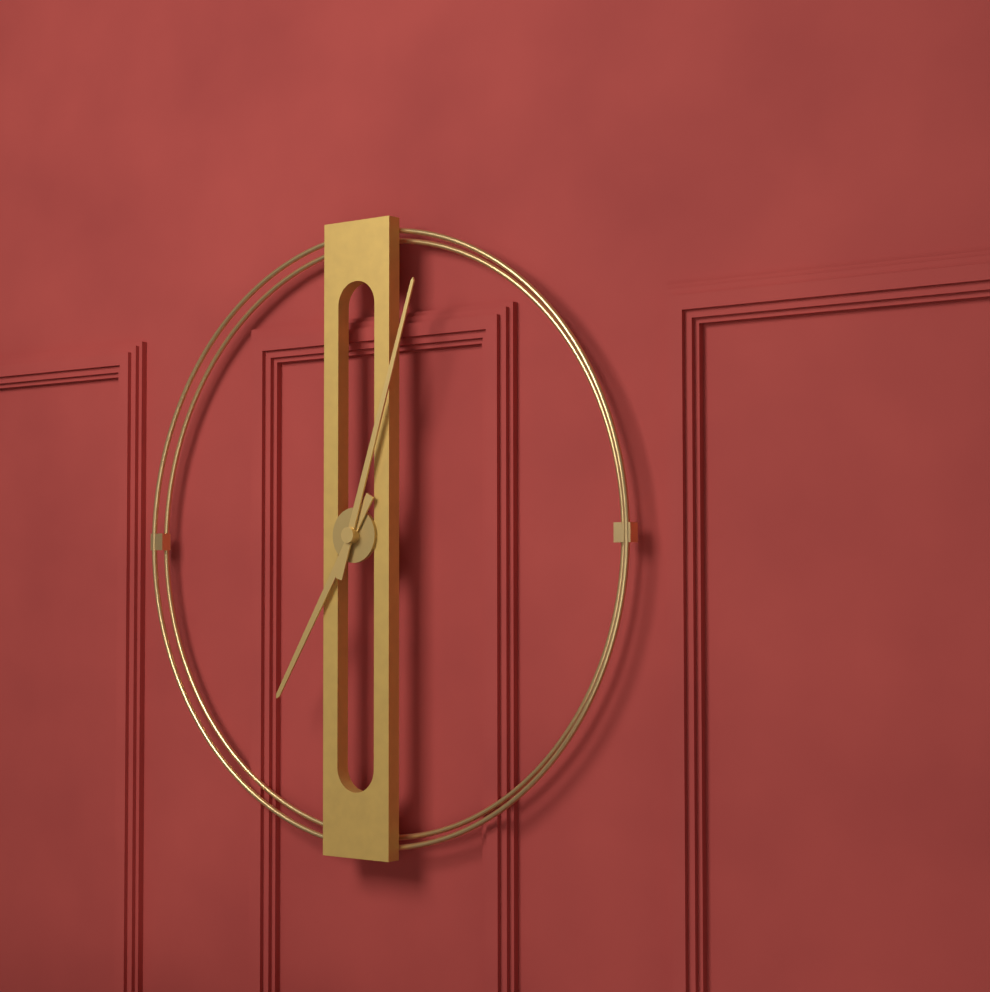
7:03
